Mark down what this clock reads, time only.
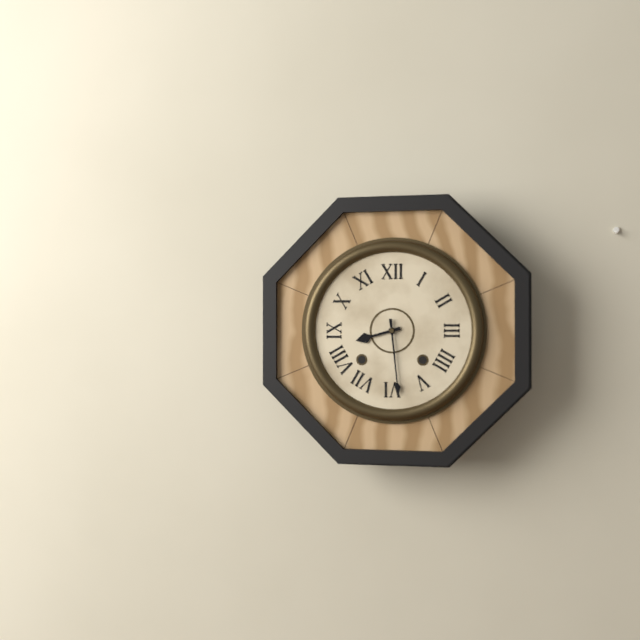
8:29
